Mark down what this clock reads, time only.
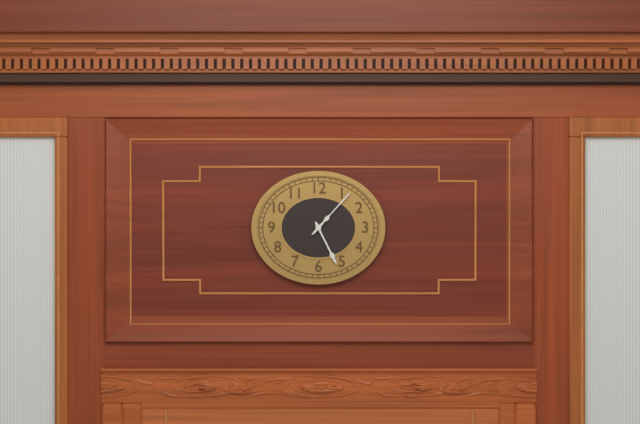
5:07
